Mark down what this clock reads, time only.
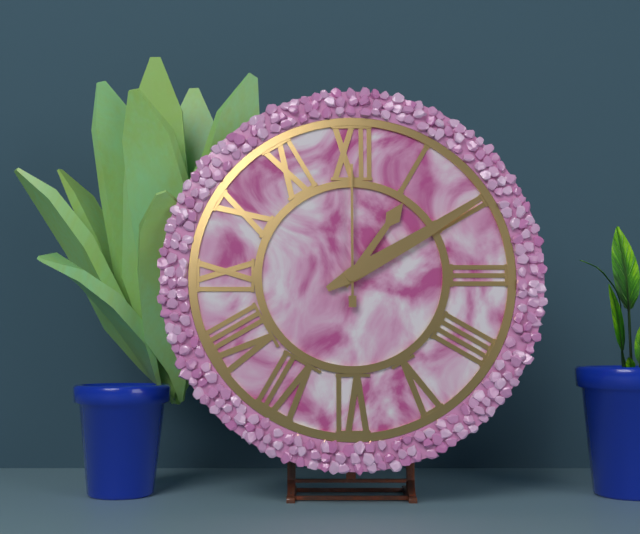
1:10:00
